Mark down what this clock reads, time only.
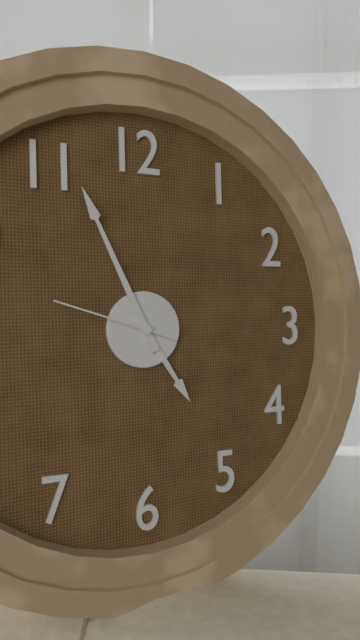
4:56:48
